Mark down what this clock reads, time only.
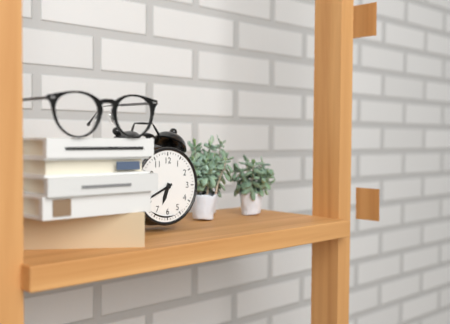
6:41
